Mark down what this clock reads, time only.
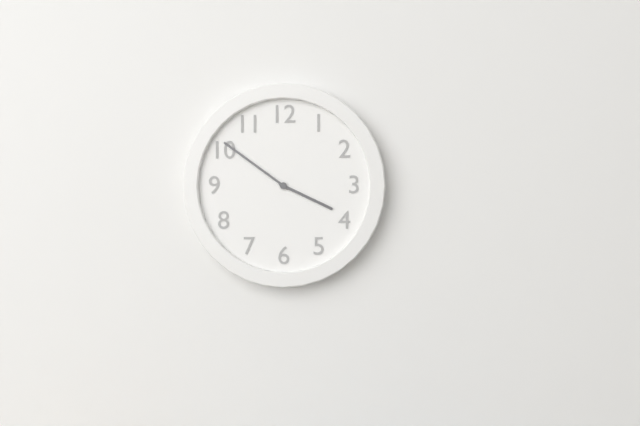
3:51
